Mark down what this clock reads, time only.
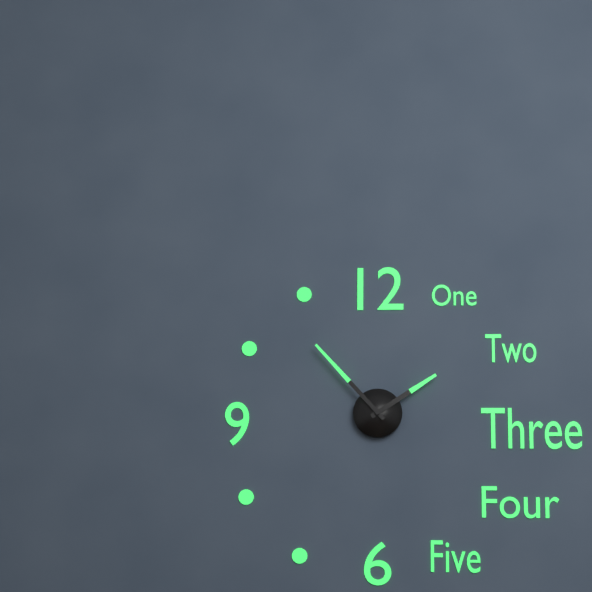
1:53
